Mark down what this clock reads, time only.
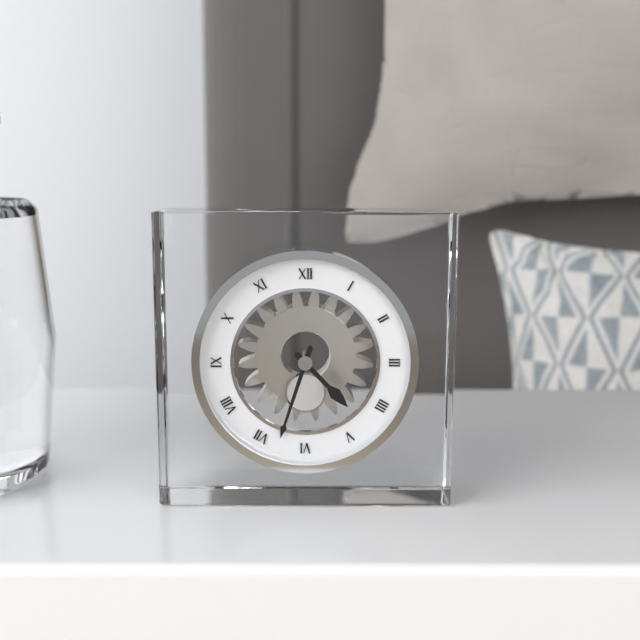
4:33
